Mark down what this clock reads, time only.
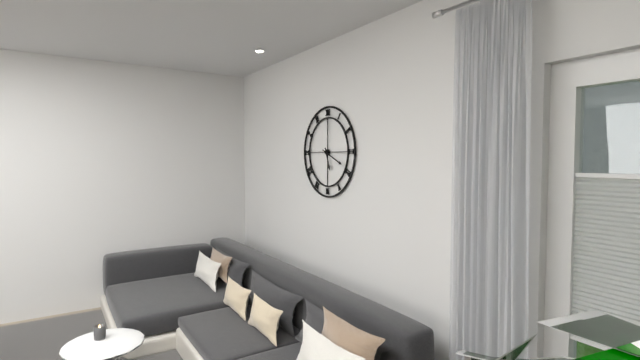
5:19
